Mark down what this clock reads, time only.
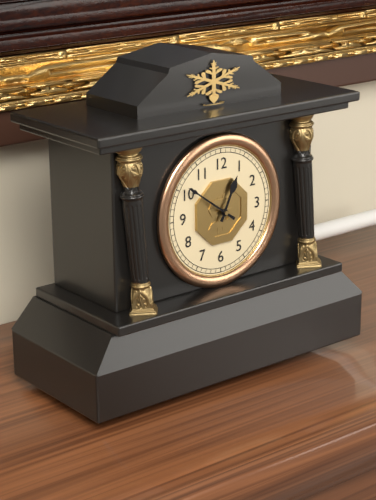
12:51
